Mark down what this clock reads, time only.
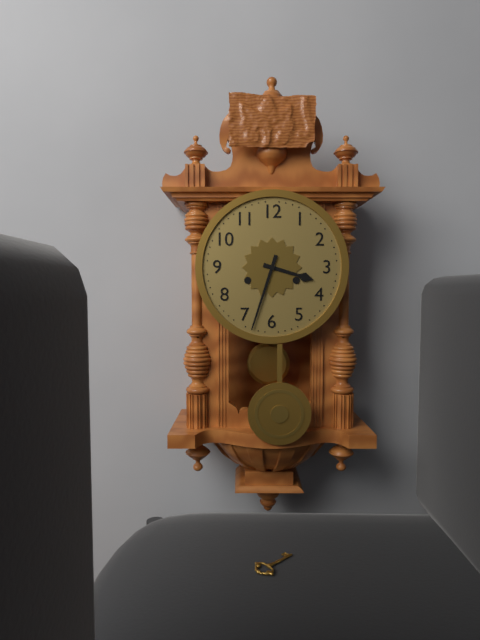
3:33
